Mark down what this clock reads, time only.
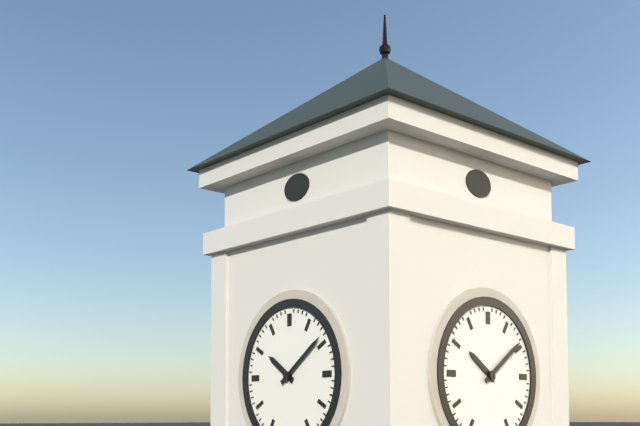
10:09
